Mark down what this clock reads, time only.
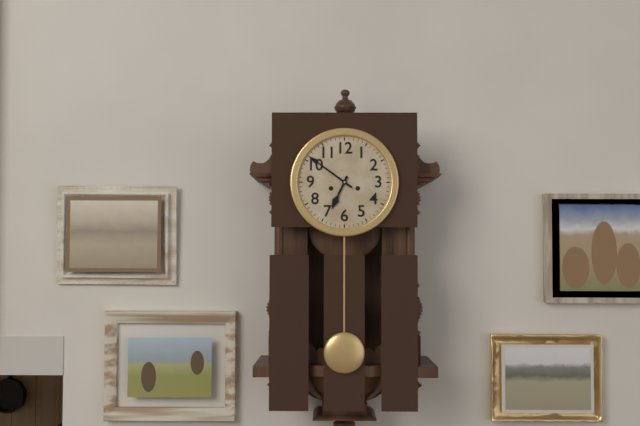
6:51
